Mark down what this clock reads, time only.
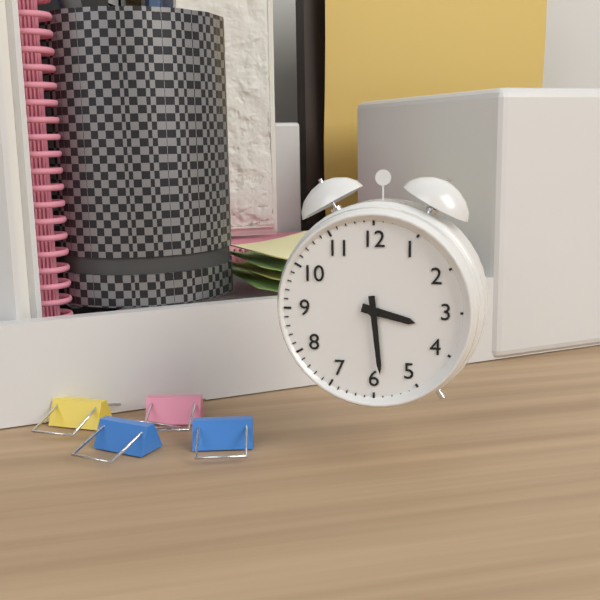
3:29
